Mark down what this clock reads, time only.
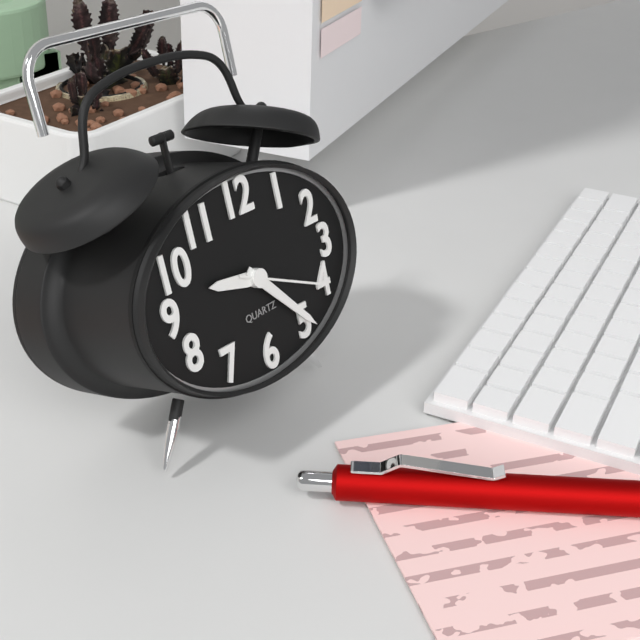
9:23:19
